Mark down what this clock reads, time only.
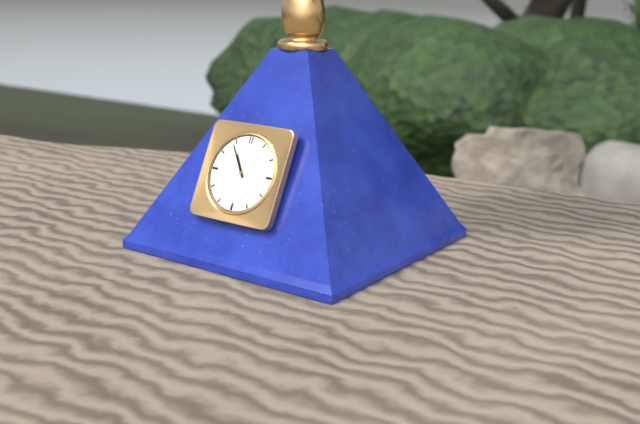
10:54
